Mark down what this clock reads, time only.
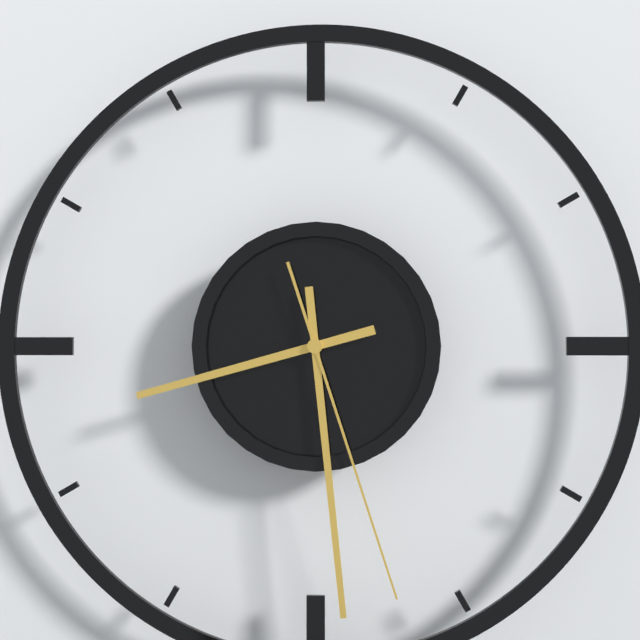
8:29:27
